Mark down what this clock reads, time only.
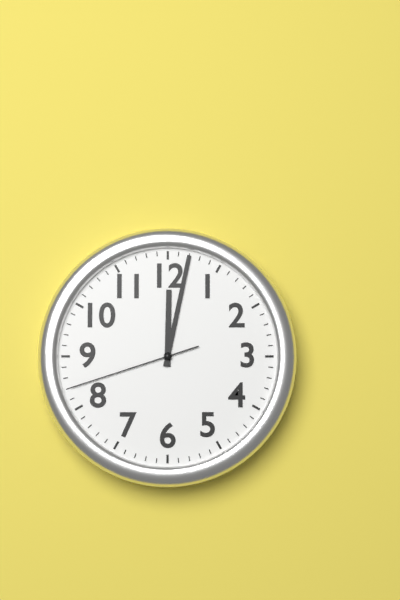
12:02:42
